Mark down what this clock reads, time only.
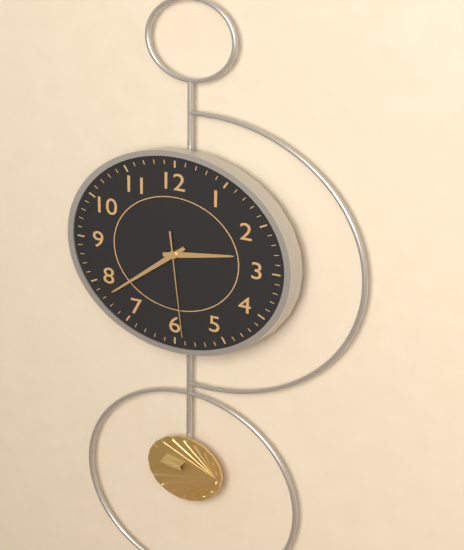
2:38:29
